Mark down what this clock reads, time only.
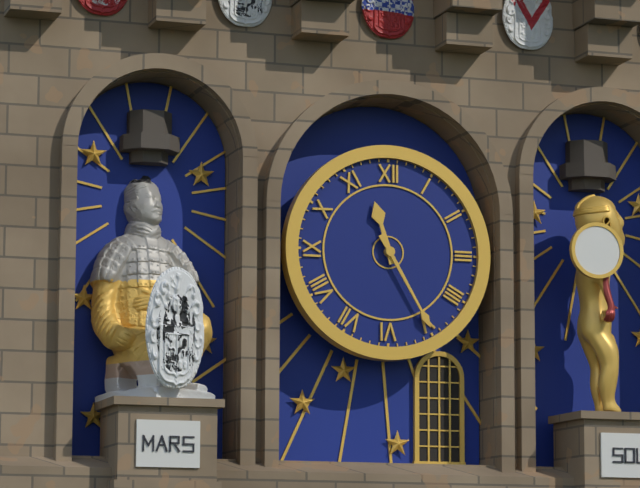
11:25
